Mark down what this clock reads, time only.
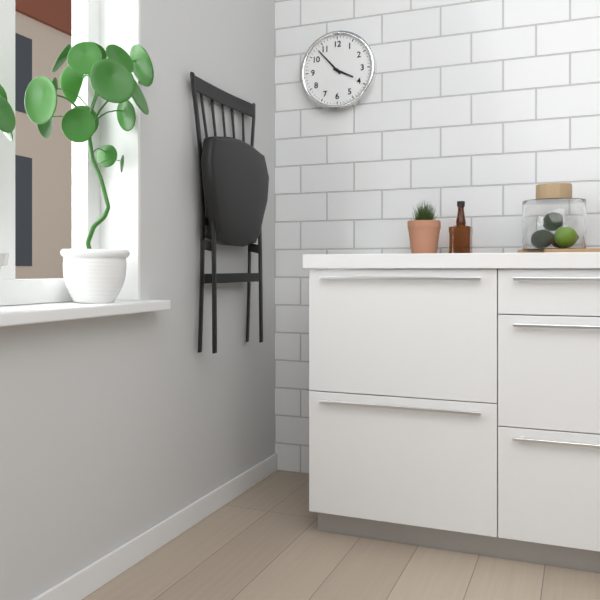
3:53
